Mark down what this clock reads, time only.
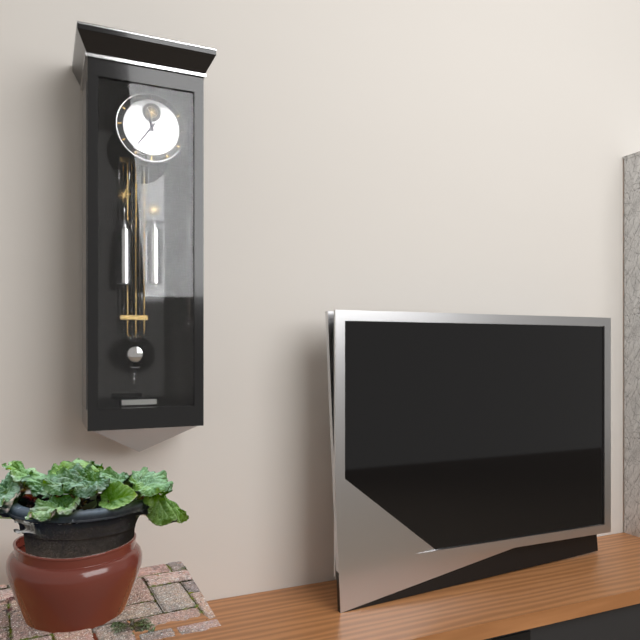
11:36
